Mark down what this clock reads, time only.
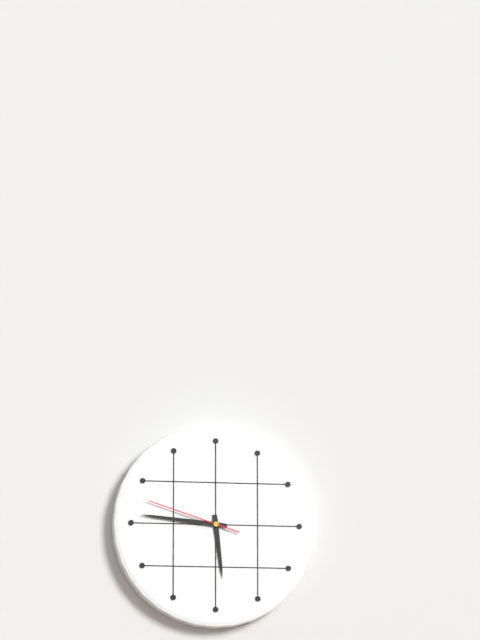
5:46:48
